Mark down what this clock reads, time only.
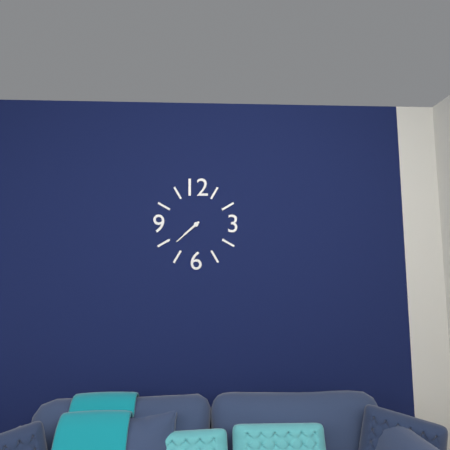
7:38
